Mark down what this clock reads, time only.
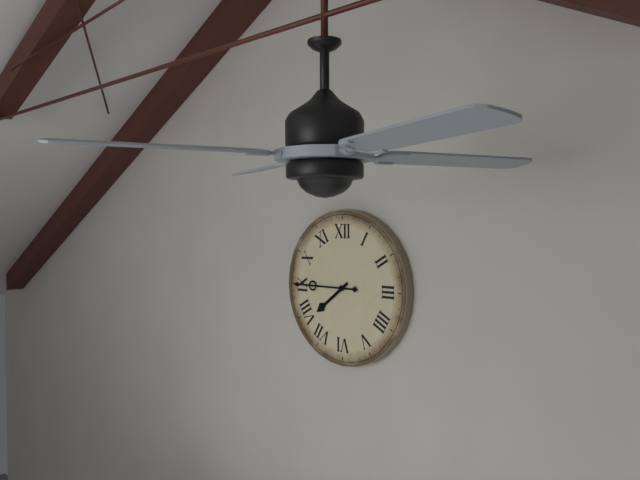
7:45
